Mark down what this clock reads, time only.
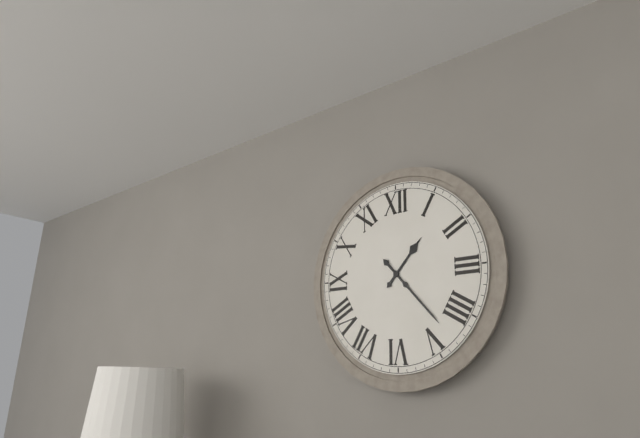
1:23
